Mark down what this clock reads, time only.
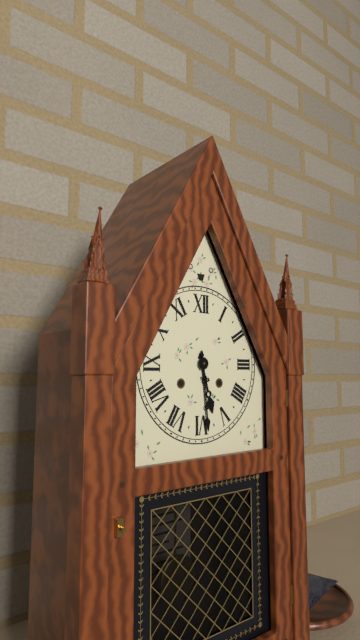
5:29
